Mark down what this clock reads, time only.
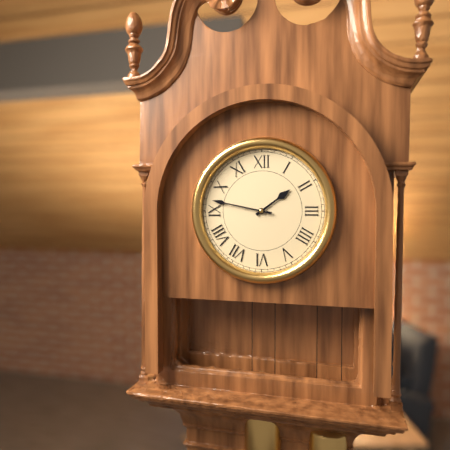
1:47
